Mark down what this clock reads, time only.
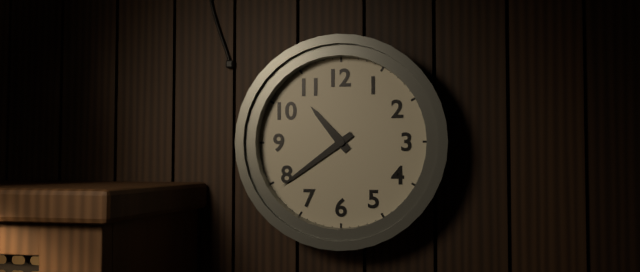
10:39
